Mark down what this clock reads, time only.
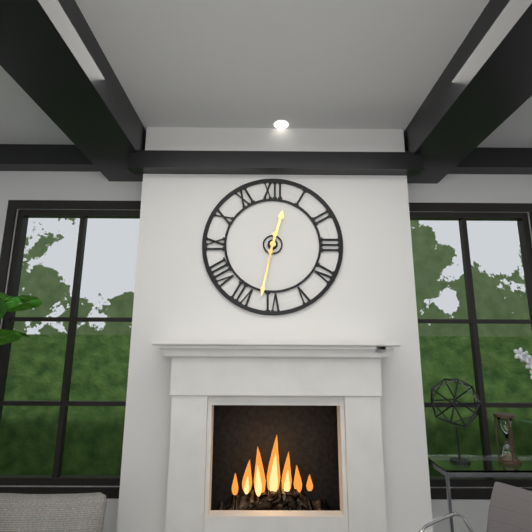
12:32
